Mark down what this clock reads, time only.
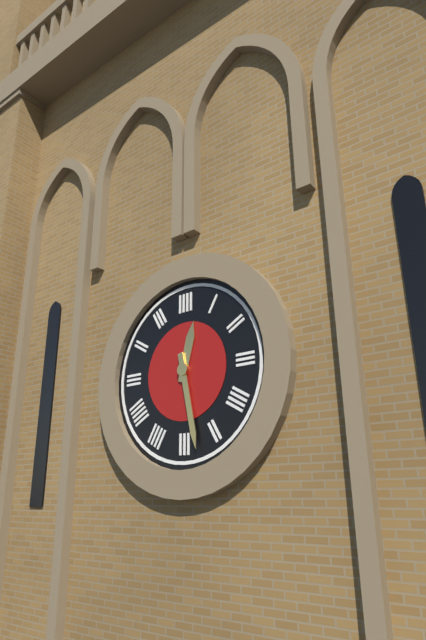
12:28
